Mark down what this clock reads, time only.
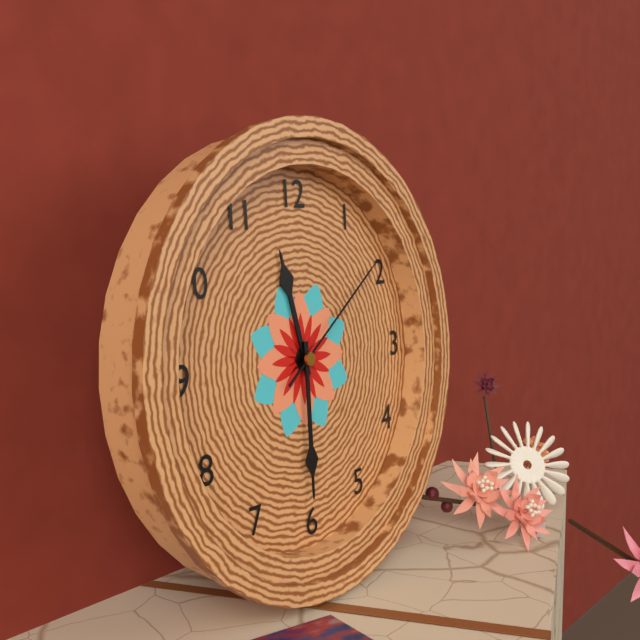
11:30:09
